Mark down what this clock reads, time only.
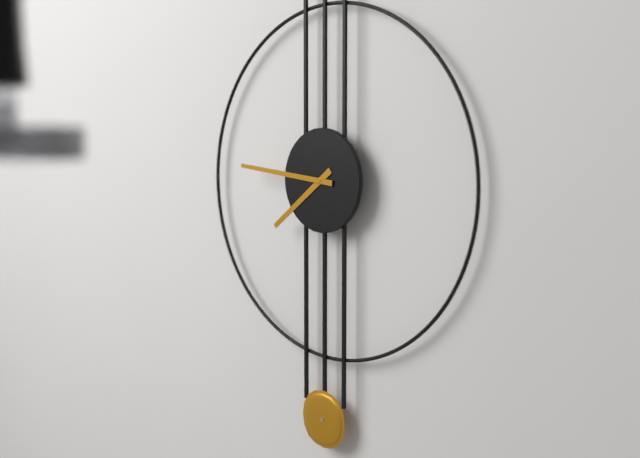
7:46
